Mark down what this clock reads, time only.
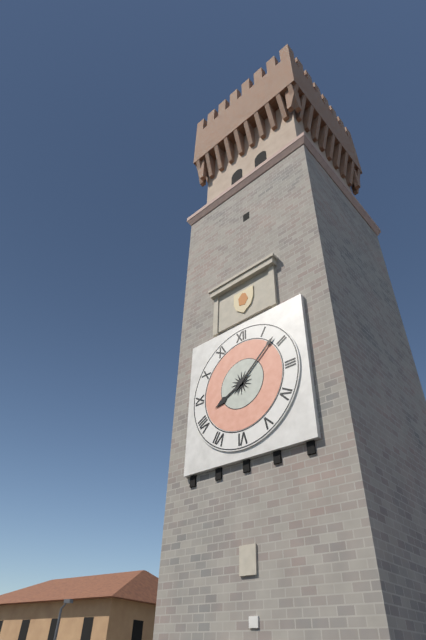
8:08
